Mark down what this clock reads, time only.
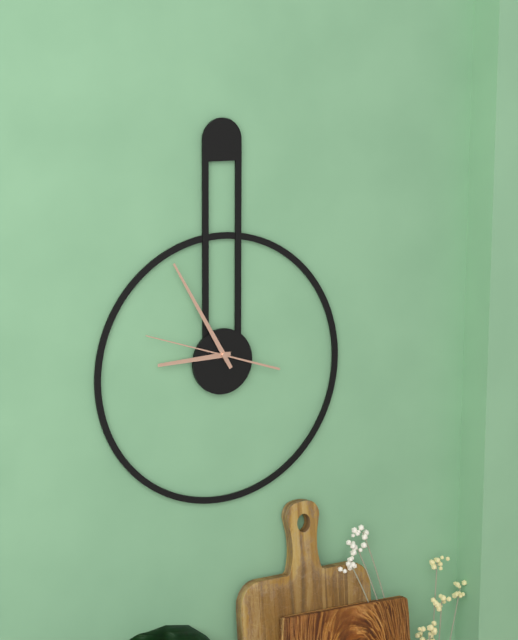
8:55:48
